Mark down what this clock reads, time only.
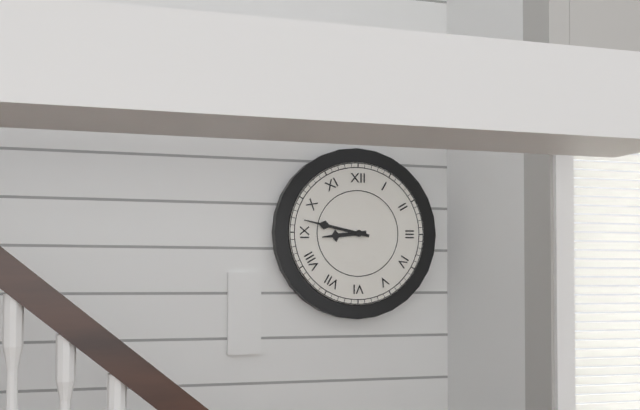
8:47
